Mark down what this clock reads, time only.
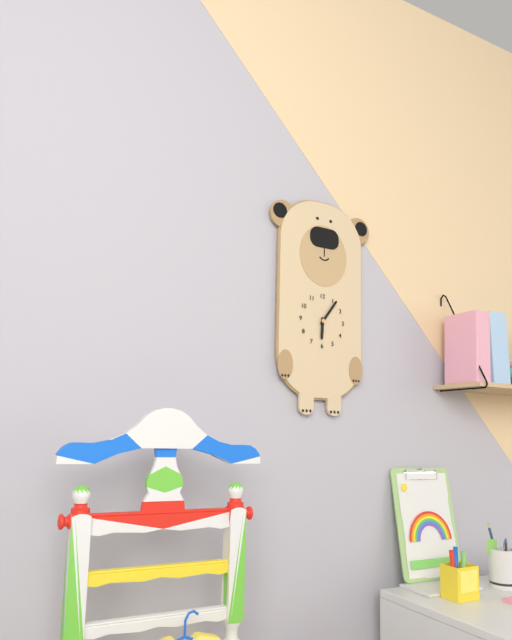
6:06
